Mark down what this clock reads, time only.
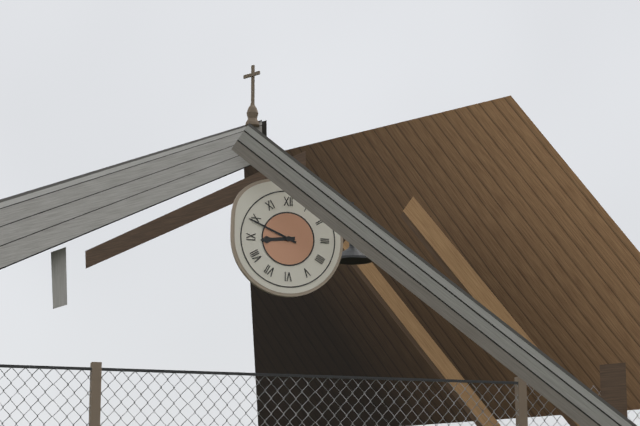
8:49
